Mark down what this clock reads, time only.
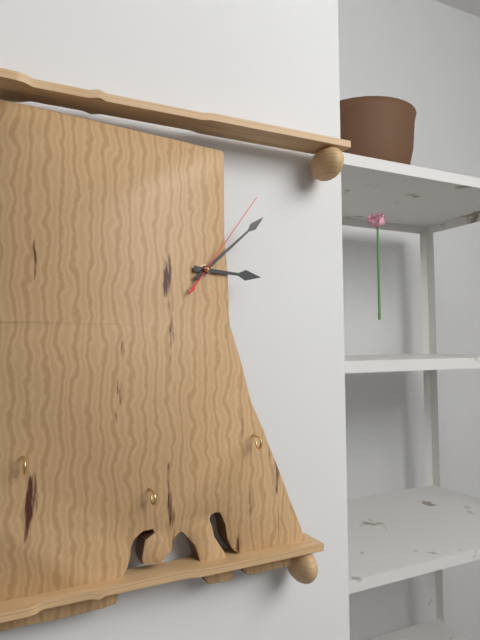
3:08:06
